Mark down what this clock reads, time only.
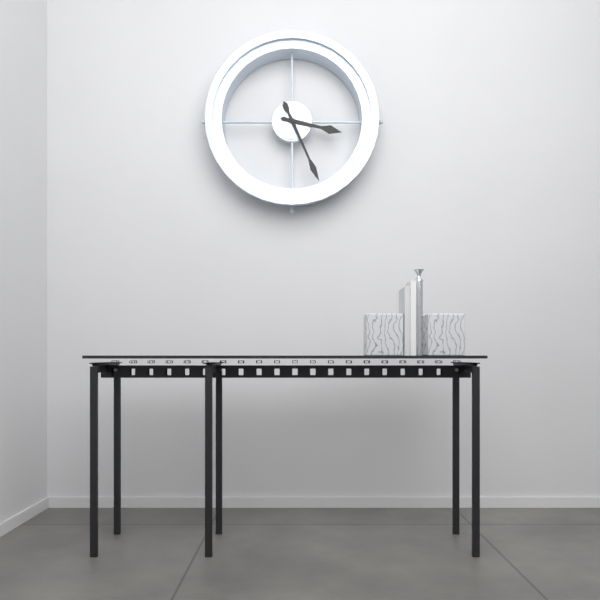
3:26
